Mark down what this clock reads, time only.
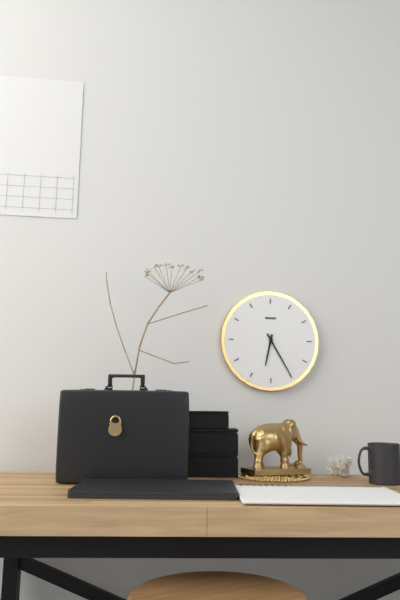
6:25
